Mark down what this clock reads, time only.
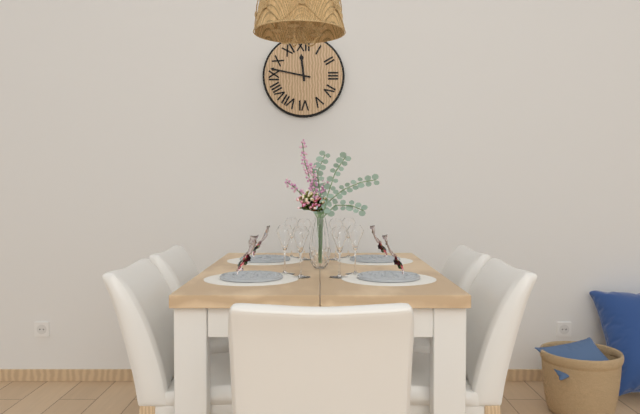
11:47
